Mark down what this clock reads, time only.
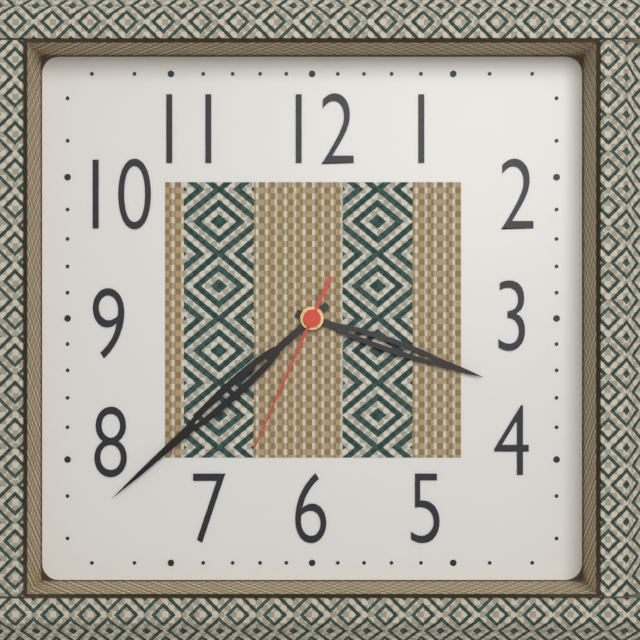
3:38:34
